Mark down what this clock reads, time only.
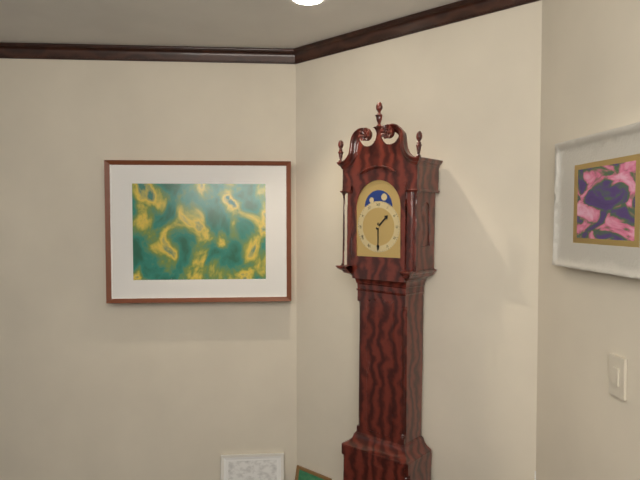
1:30
